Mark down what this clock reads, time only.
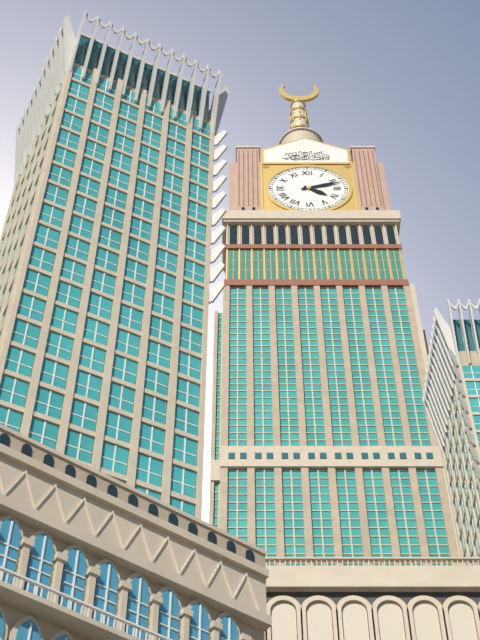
4:12
